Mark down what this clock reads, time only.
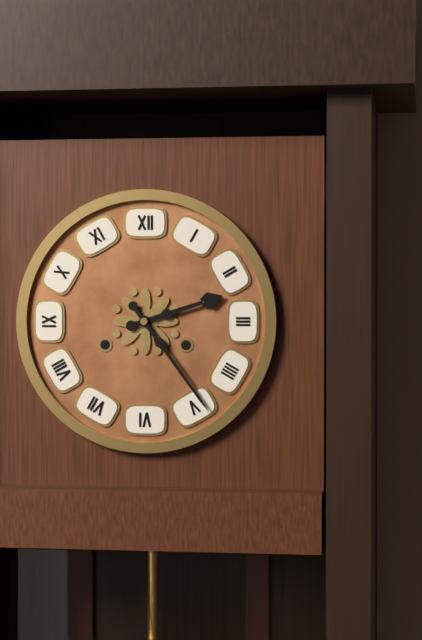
2:24
